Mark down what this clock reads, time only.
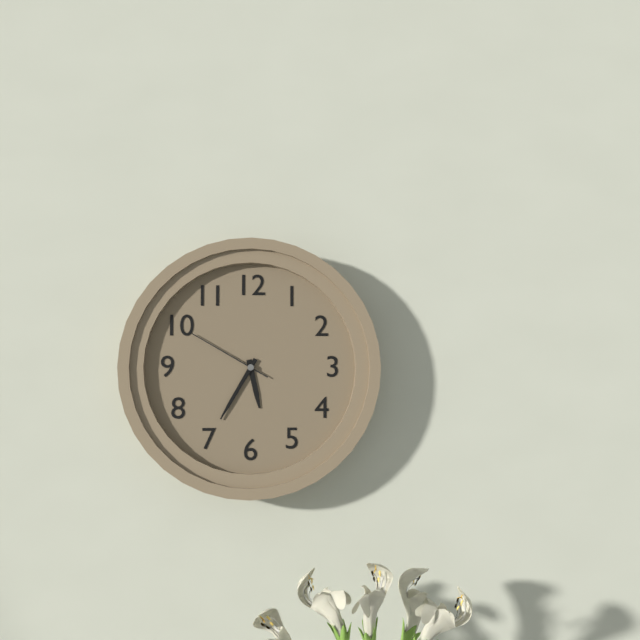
5:35:50
